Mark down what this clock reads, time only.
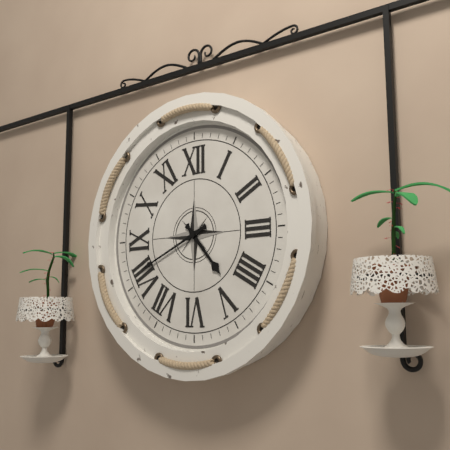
4:41
